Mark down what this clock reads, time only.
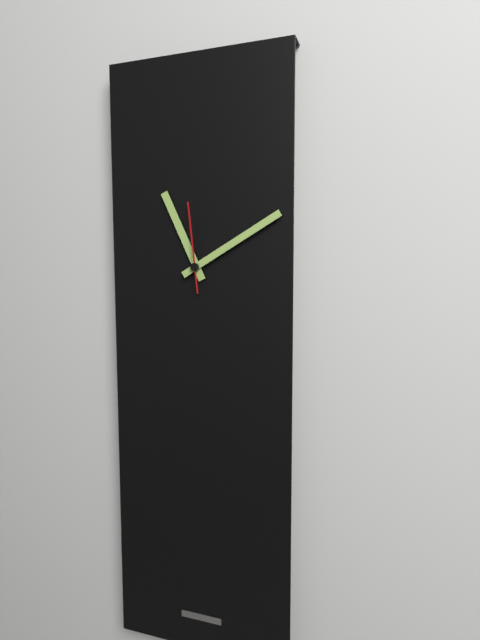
11:10:59
